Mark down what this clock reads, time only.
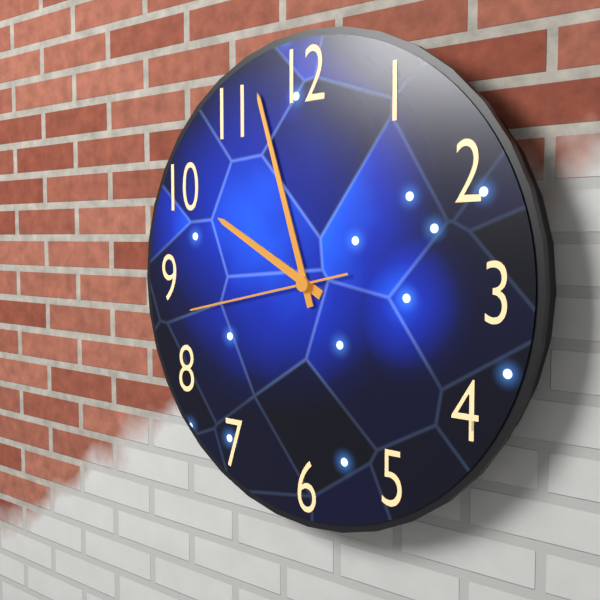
9:57:43
